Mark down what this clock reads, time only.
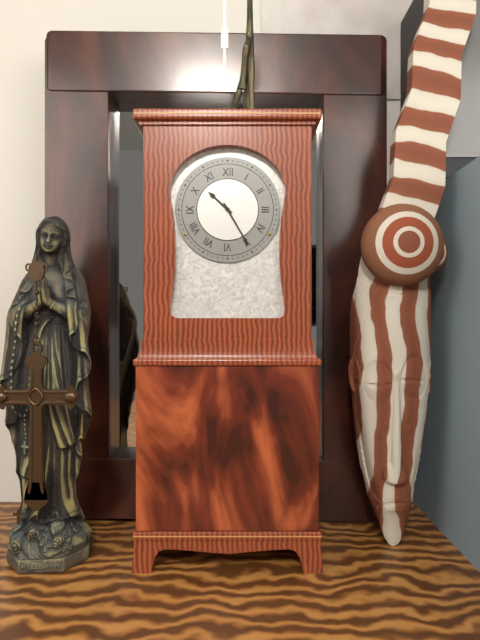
10:25
